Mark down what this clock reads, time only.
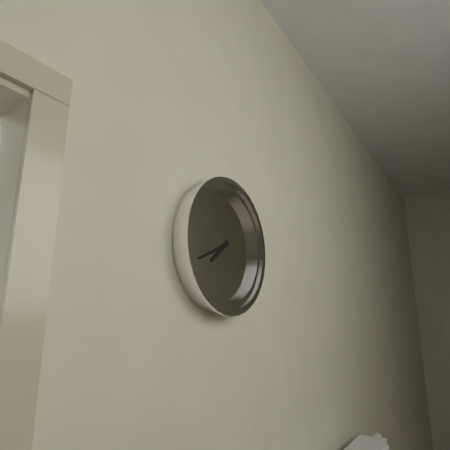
7:41
